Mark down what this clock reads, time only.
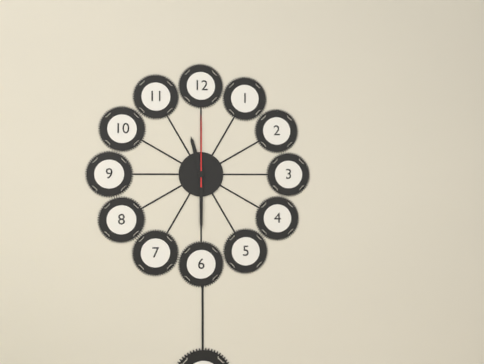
11:30:00
